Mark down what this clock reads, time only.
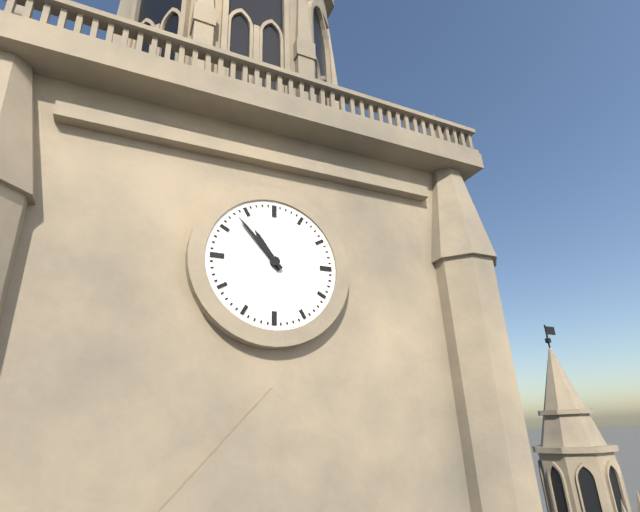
10:53
